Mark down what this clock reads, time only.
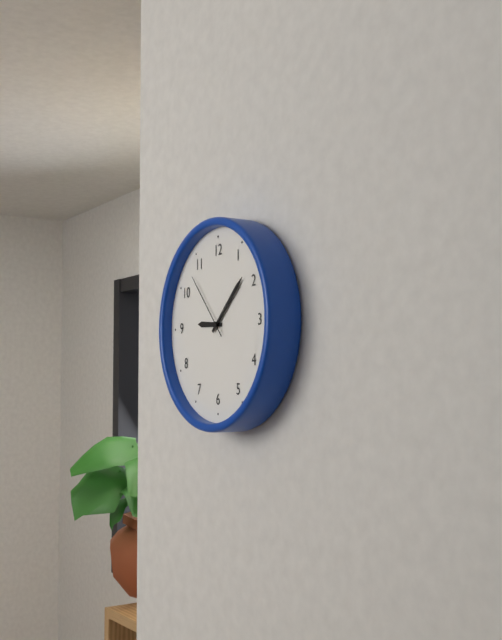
9:08:53
